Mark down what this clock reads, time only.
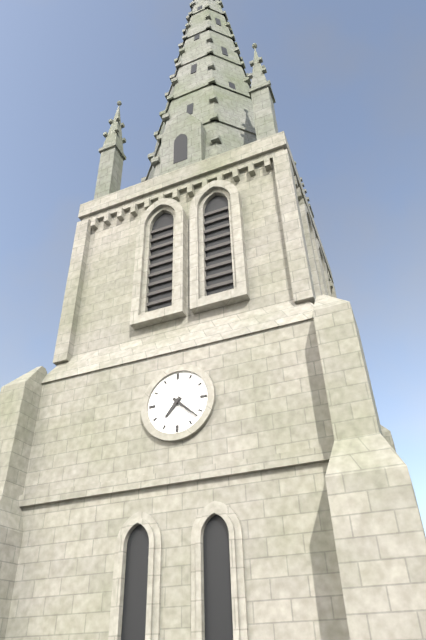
7:22
